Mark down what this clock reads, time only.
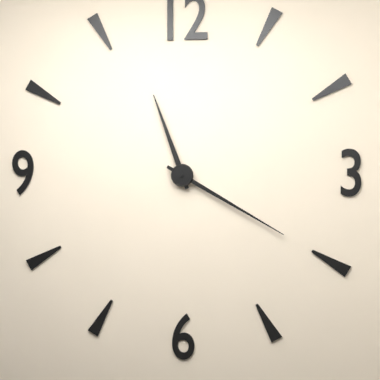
11:20
